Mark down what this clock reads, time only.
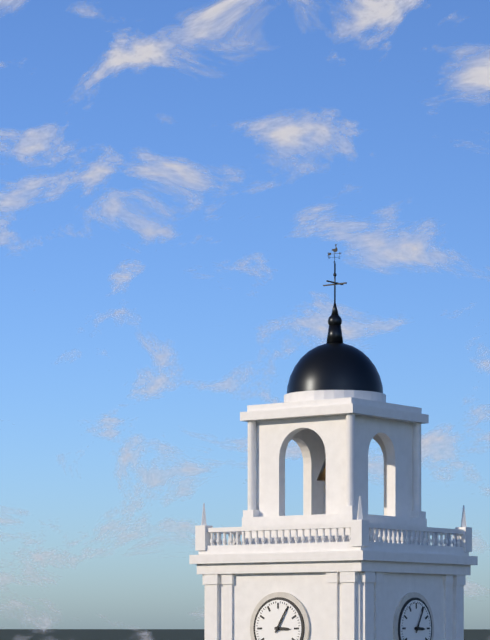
3:05
